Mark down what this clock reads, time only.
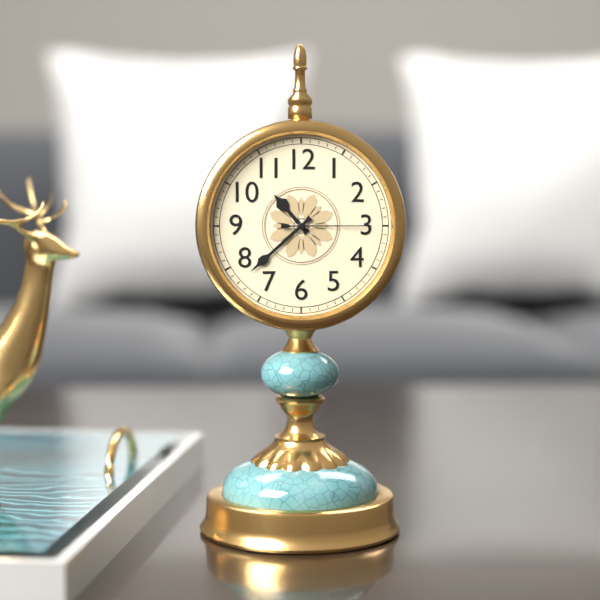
10:38:15
